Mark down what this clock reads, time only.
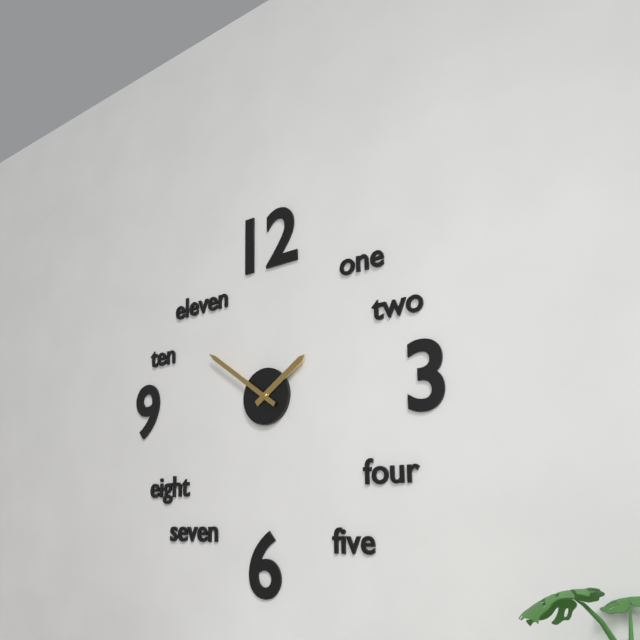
1:51
